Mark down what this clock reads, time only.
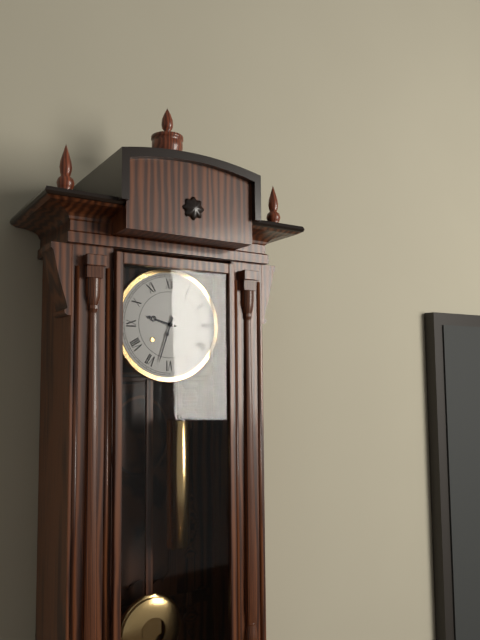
9:33
